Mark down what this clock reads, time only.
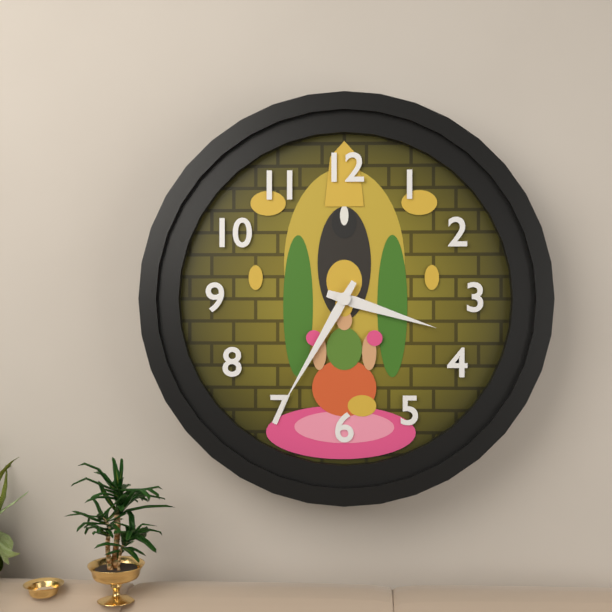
3:35
